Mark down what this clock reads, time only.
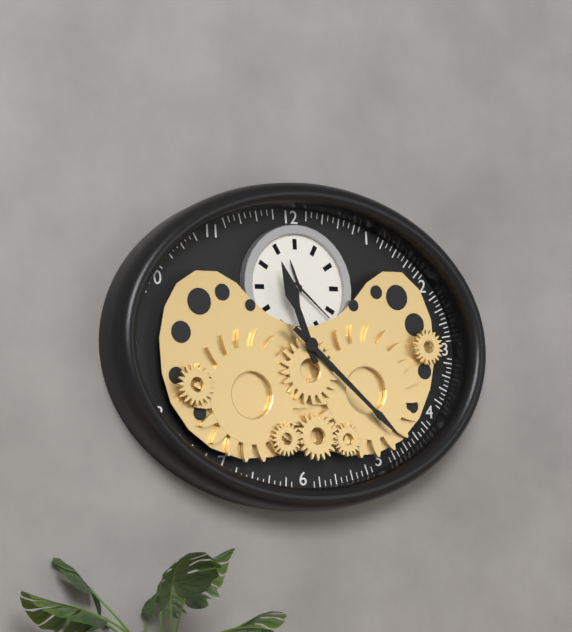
11:22
